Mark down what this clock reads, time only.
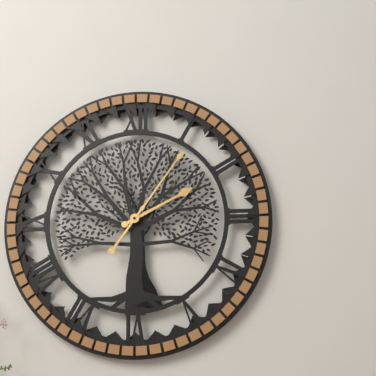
2:06
